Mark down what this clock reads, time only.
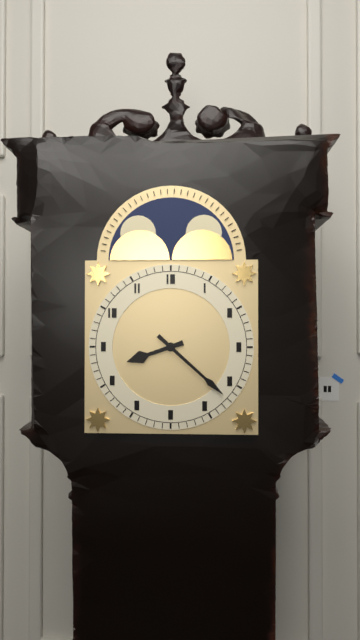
8:22
